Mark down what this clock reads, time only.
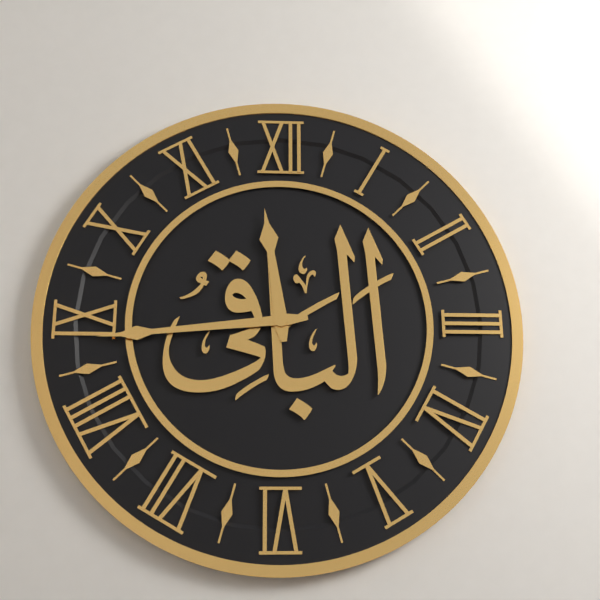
11:44
